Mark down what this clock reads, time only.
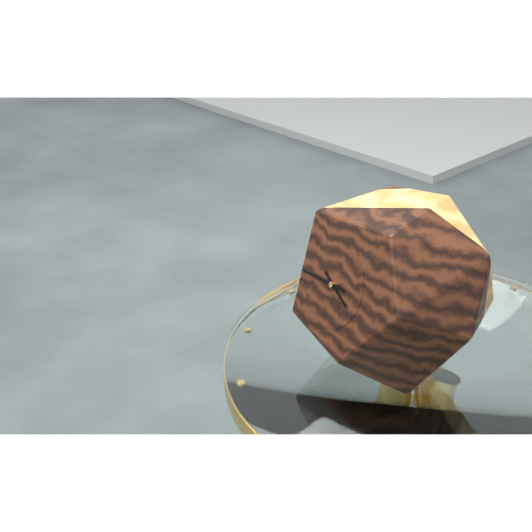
3:44
